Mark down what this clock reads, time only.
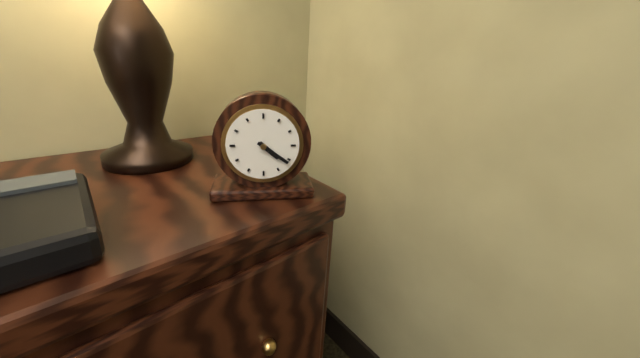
4:21
